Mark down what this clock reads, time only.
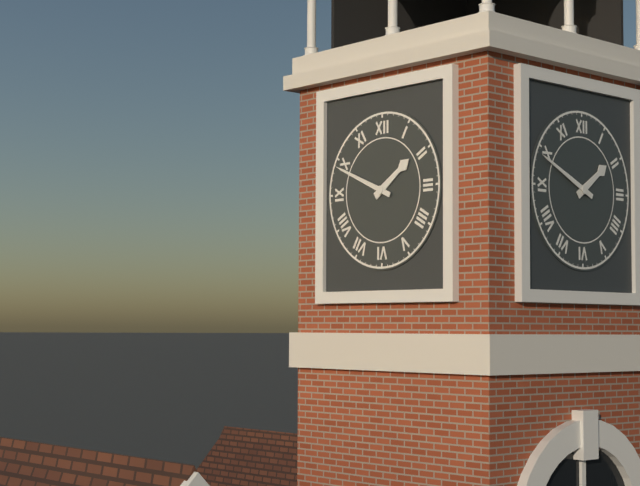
1:49
